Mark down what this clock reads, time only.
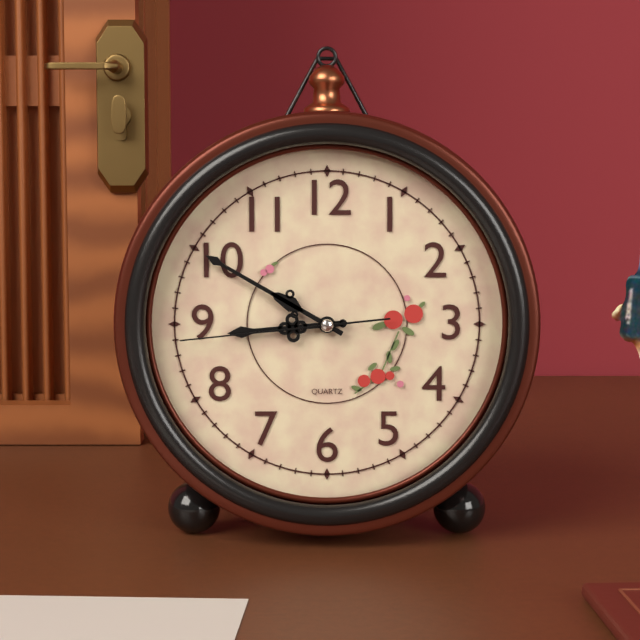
8:50:44
